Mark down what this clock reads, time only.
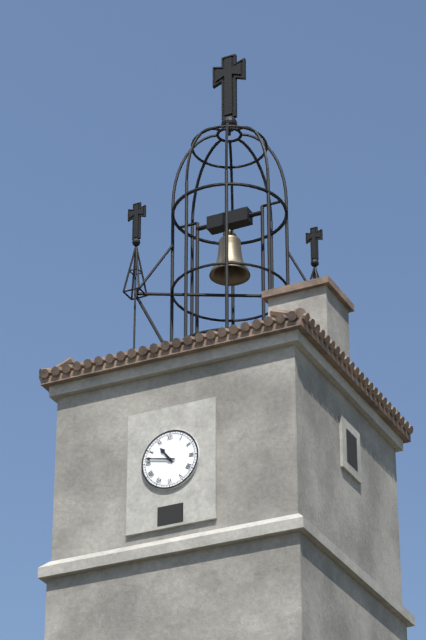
10:47
